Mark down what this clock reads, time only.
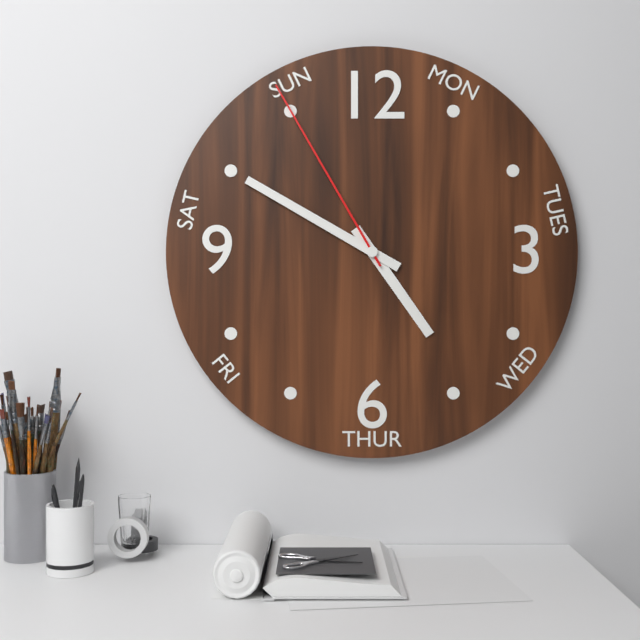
4:50:55
